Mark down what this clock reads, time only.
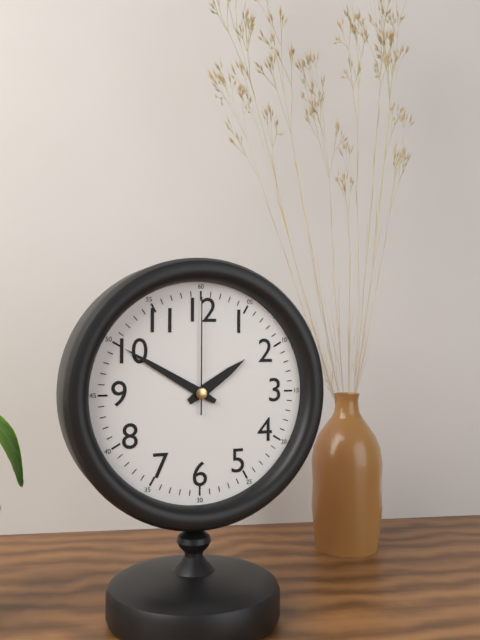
1:50:00
